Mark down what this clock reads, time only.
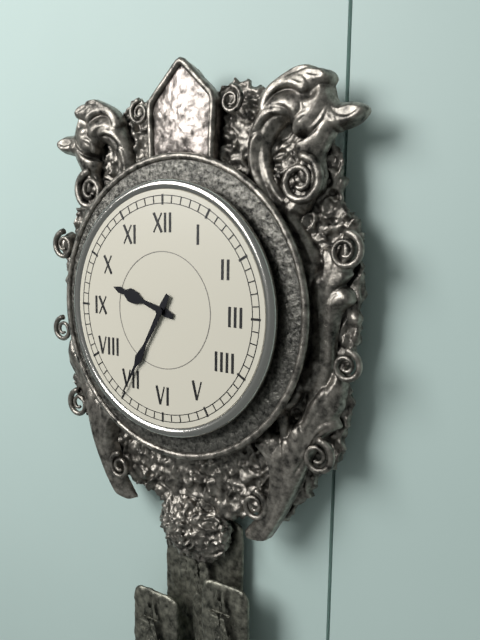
9:35
